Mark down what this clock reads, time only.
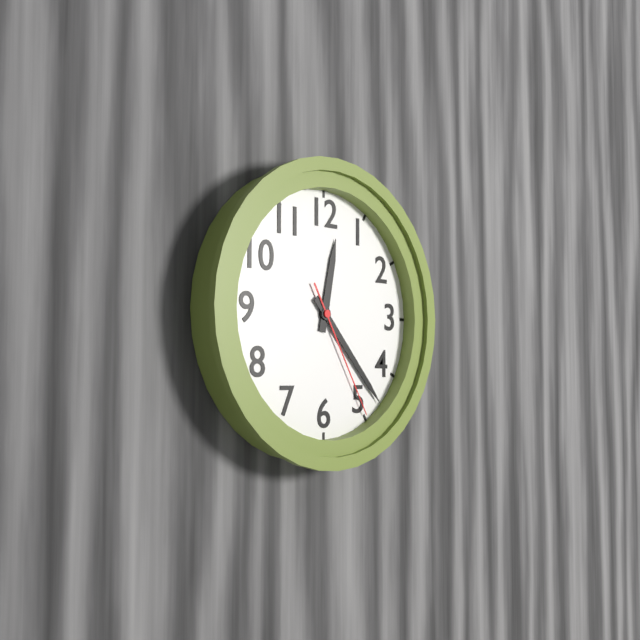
12:23:25
